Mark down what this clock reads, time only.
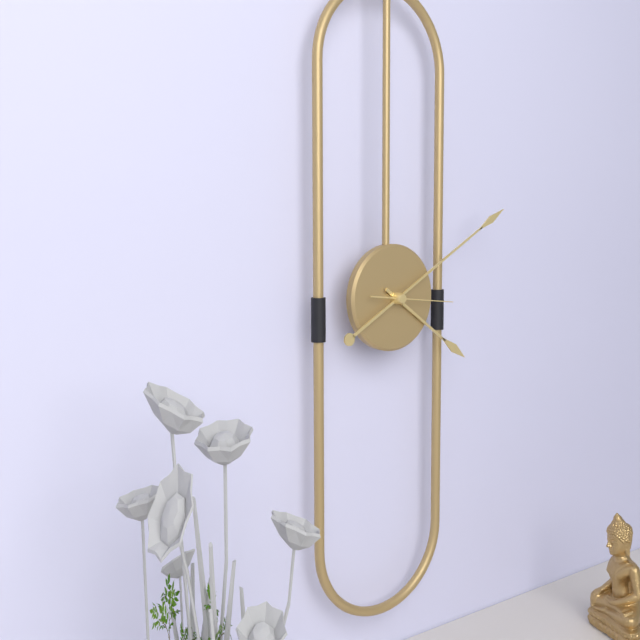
4:10:16
